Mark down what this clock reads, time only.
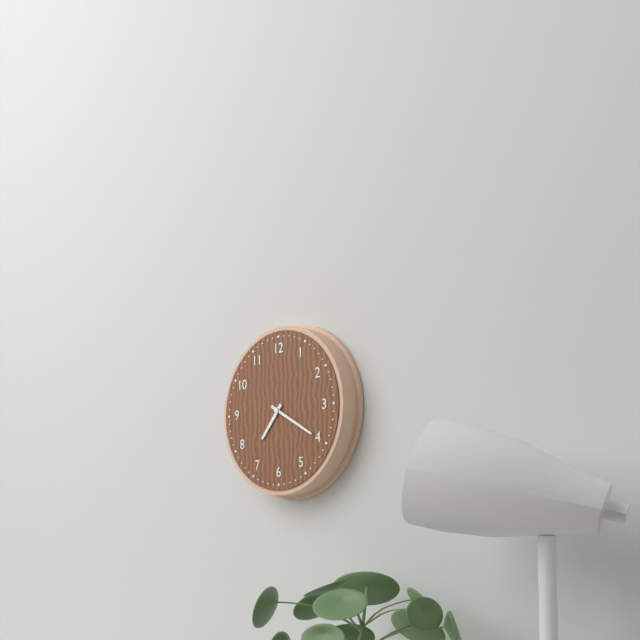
7:20
